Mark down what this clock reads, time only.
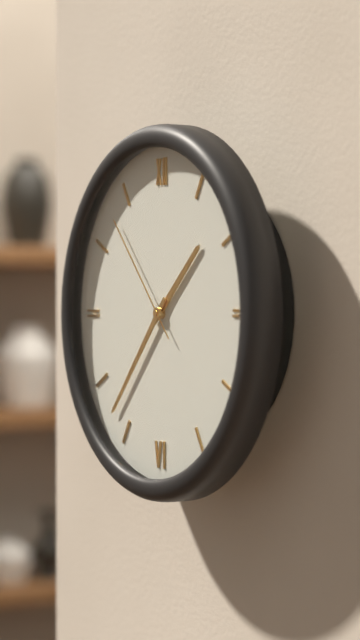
1:37:53
